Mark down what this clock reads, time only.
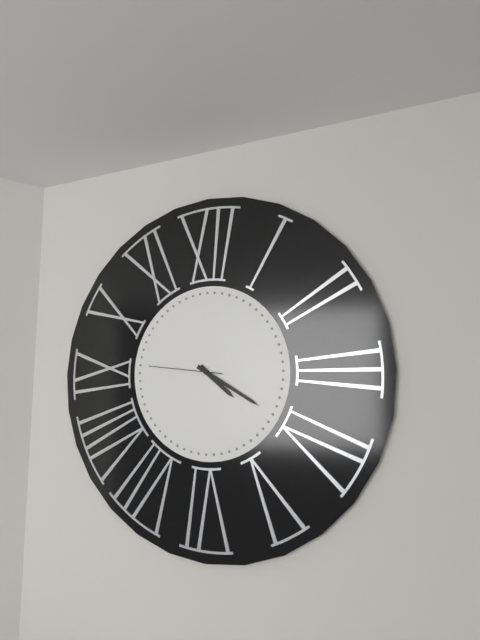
4:20:46
